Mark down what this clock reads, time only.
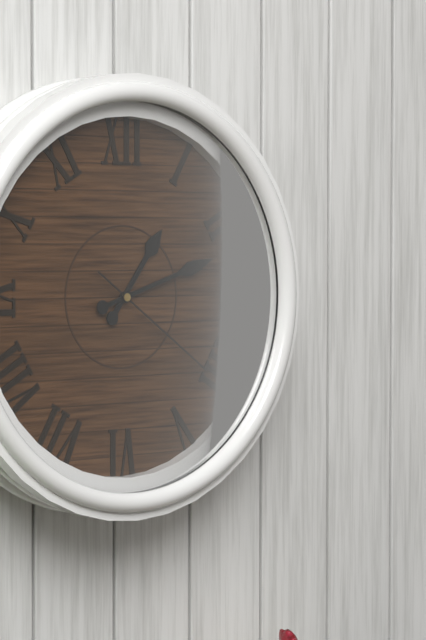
1:12:21
